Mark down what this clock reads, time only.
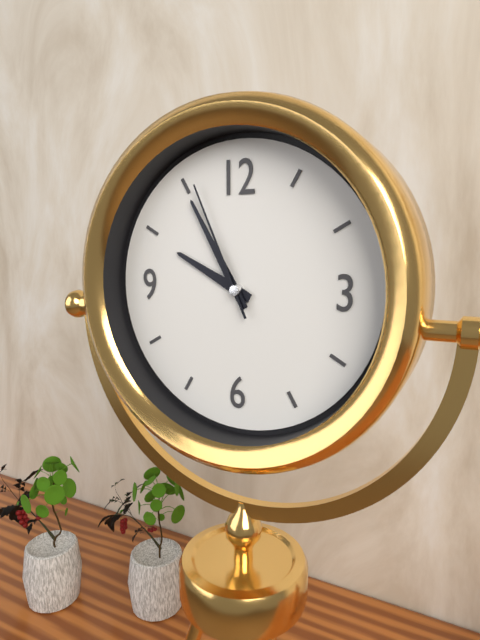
9:55:56
